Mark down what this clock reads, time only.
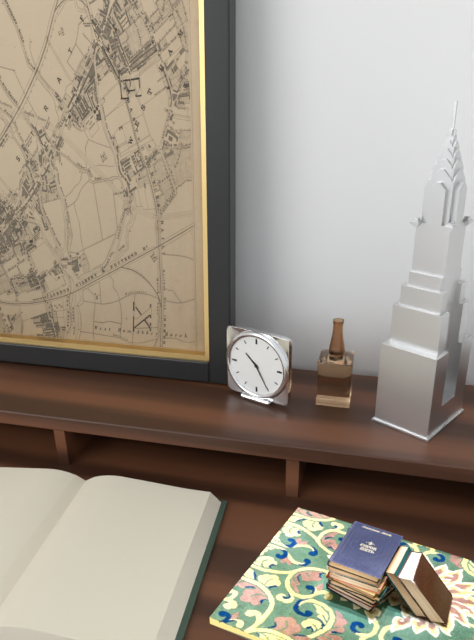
10:25
